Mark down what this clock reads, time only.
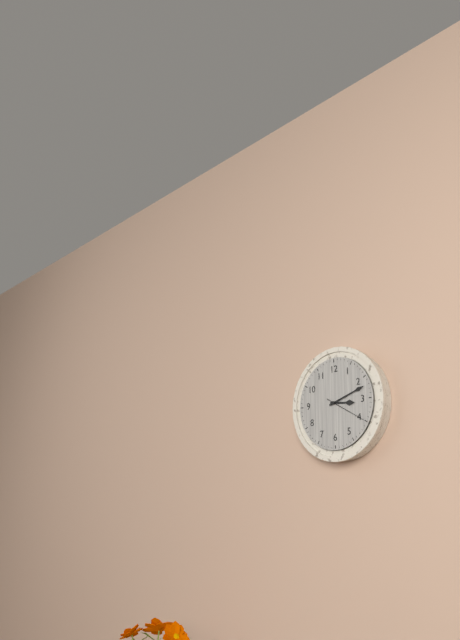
3:12
